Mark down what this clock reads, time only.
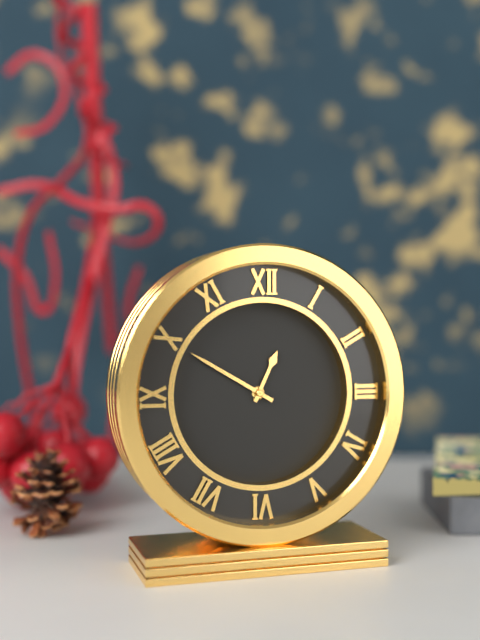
12:50
